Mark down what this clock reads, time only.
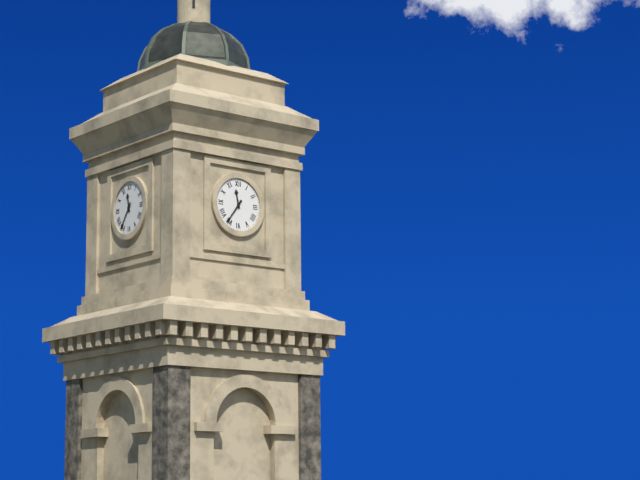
11:36
